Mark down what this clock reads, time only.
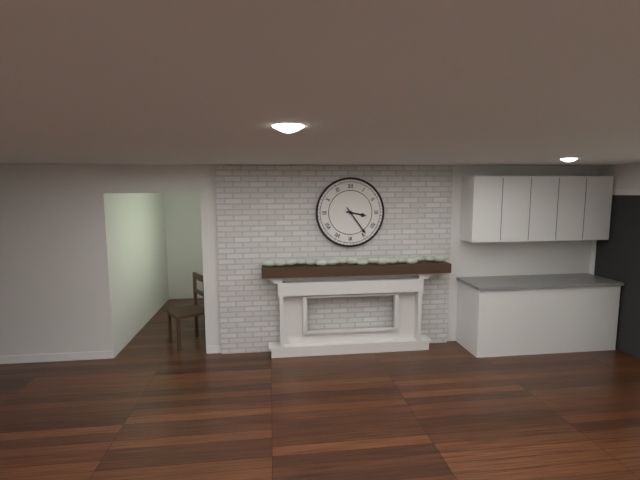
3:24
